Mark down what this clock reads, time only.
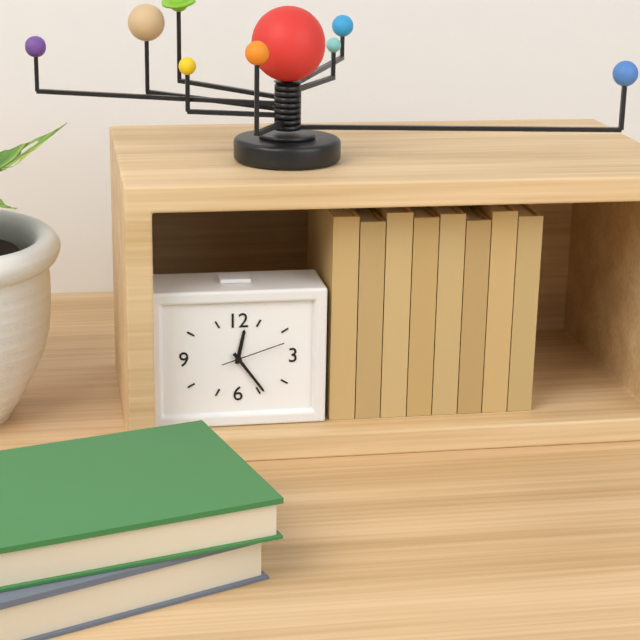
12:24:12
